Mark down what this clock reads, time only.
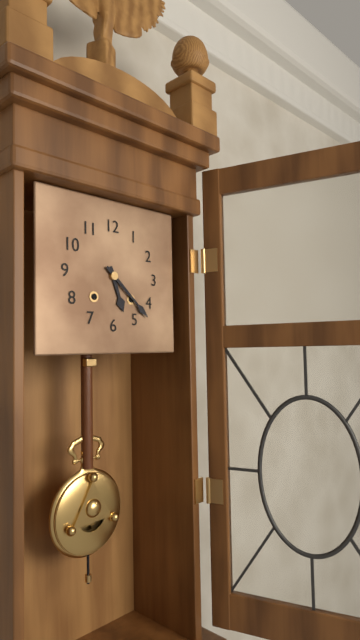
5:22
